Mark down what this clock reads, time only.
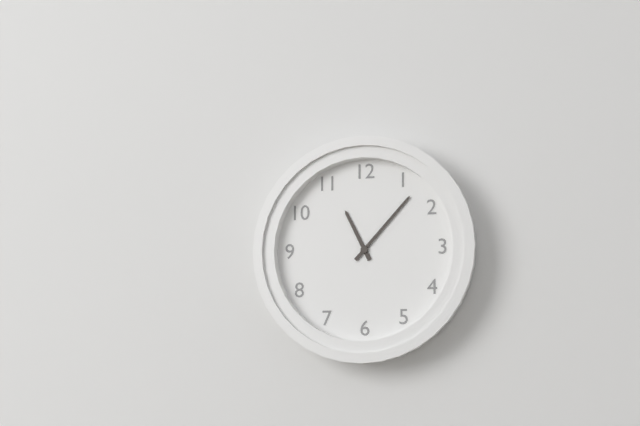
11:07
